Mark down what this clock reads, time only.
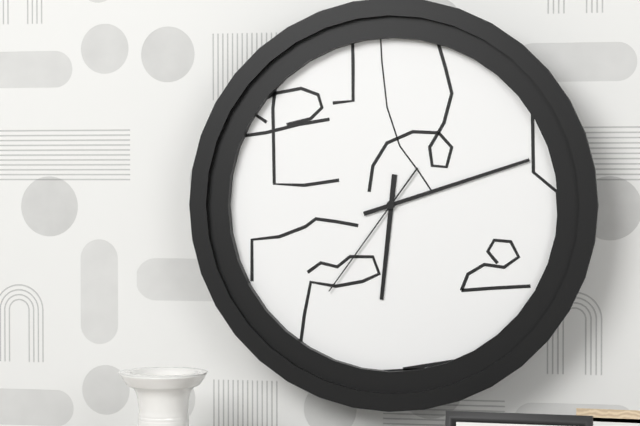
6:12:36
